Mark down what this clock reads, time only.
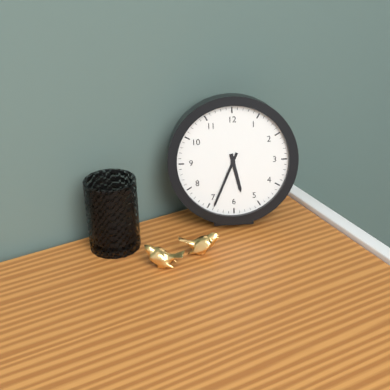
5:34
